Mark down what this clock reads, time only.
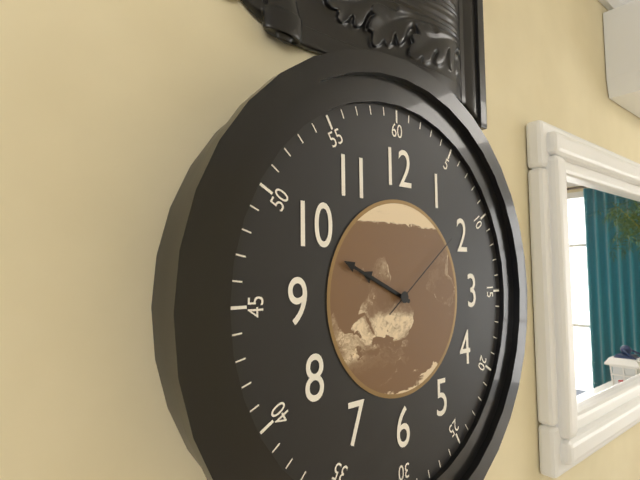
9:49:09
